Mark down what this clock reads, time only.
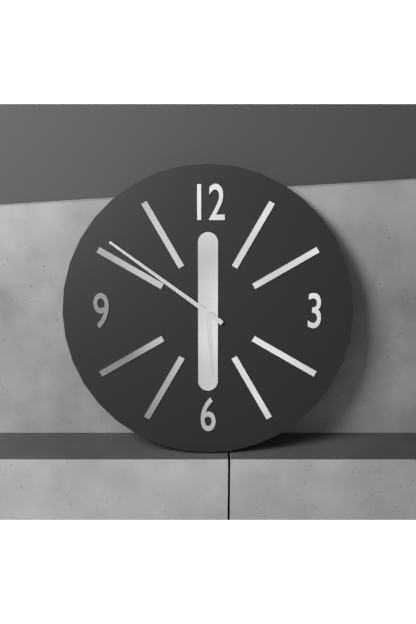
5:51
